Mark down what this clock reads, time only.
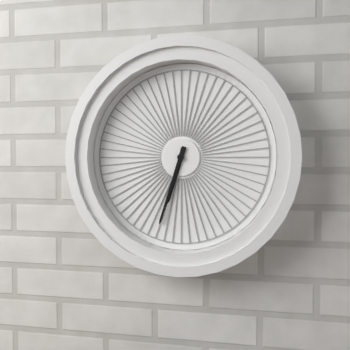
6:33
